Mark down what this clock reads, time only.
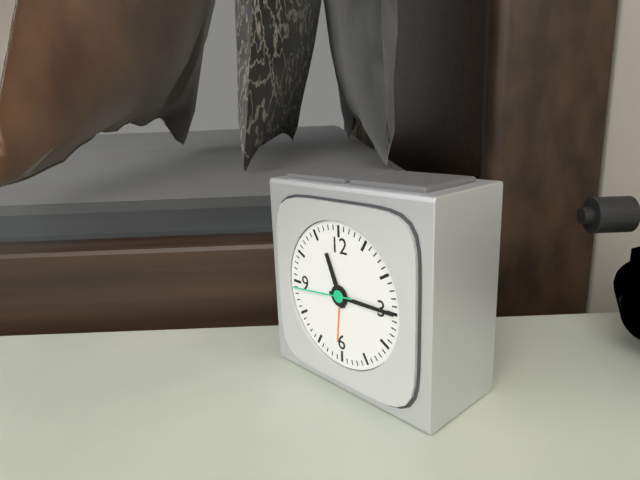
11:15:44
